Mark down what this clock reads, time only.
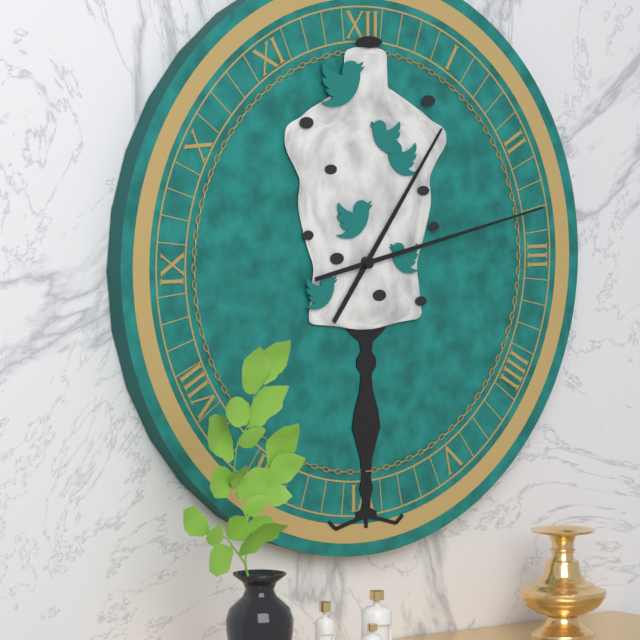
1:13
